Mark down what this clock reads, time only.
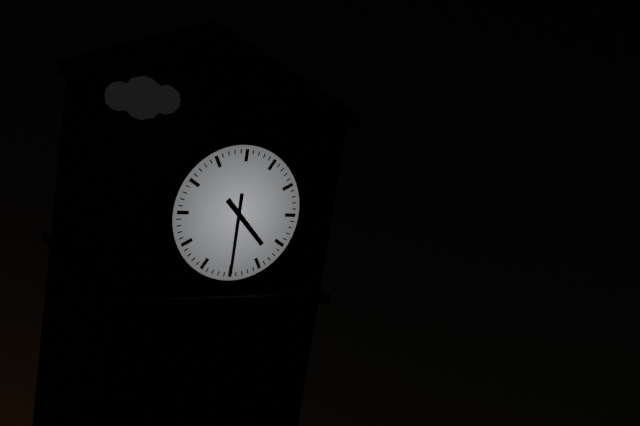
4:30
